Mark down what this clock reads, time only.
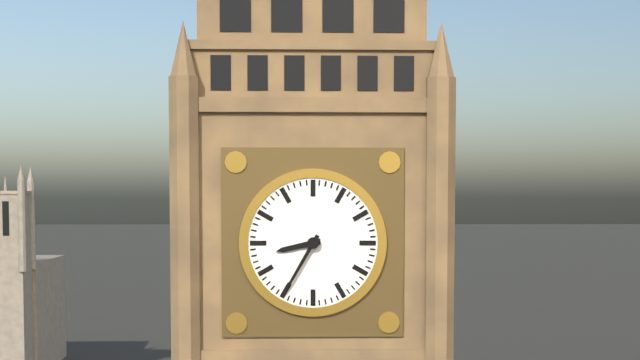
8:35
